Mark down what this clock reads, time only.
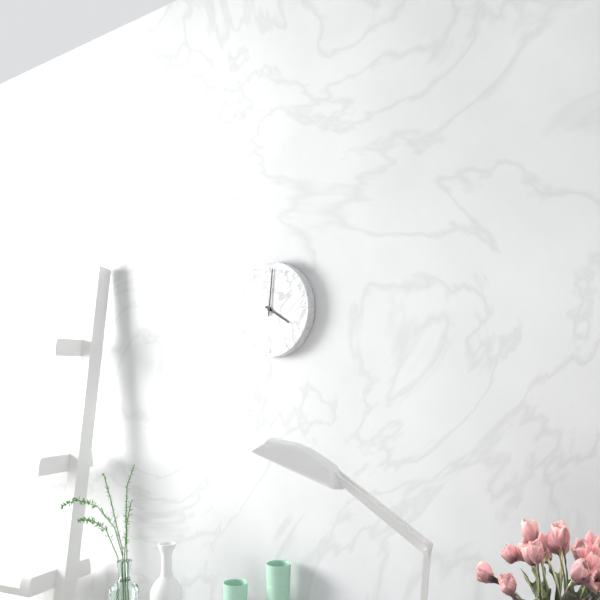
4:01
